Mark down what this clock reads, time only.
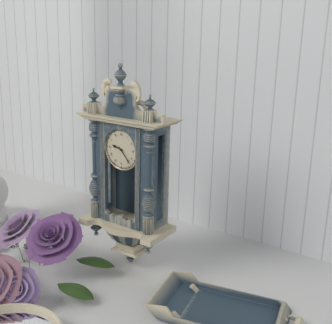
9:23
